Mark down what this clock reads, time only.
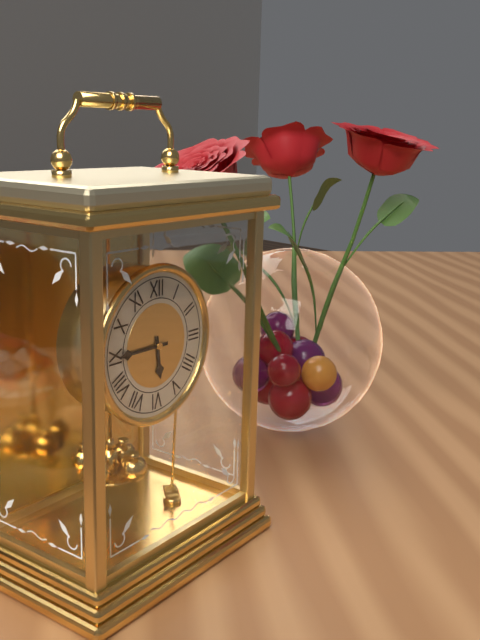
5:45
